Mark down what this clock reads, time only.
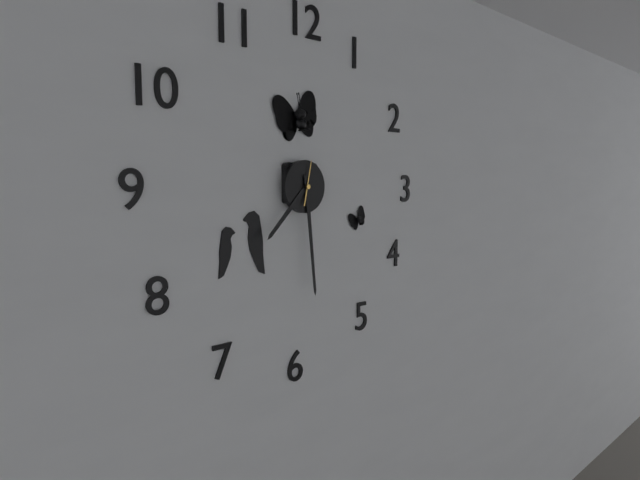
7:29
